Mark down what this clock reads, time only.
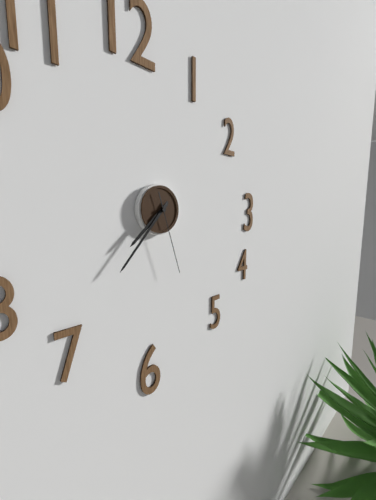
7:37:27
